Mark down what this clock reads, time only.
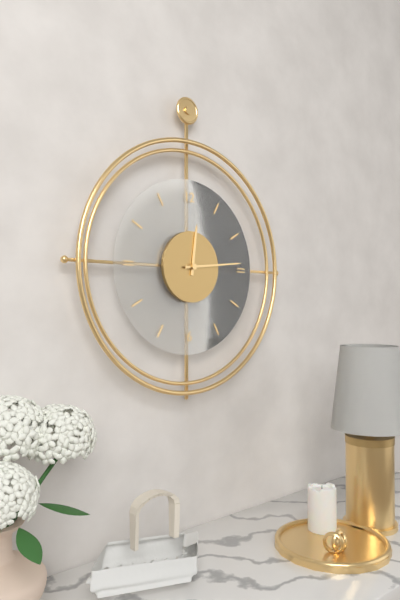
12:14
